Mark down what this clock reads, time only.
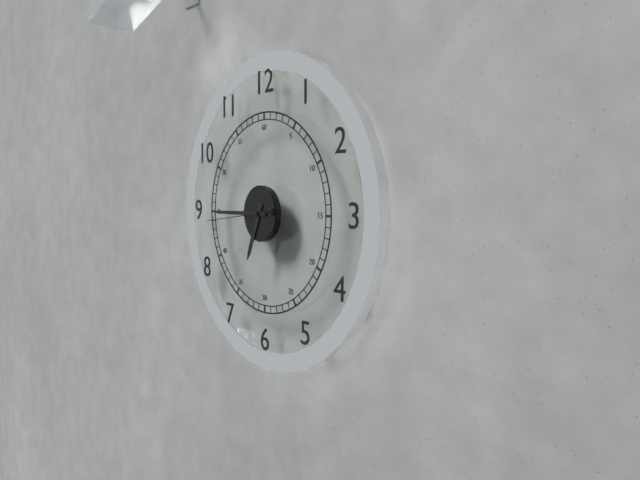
6:45:44
